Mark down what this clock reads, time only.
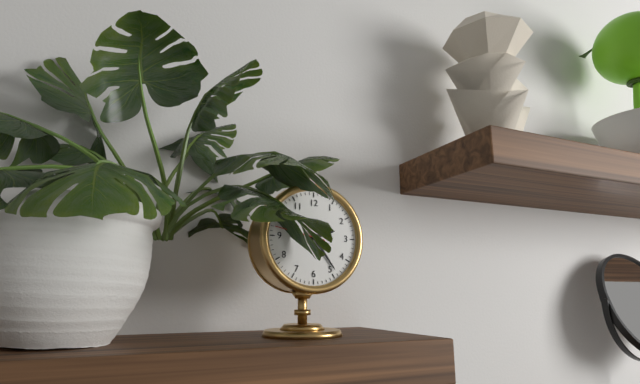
2:24
